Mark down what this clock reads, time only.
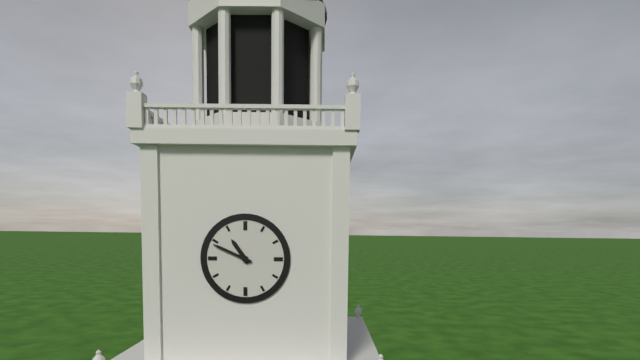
10:49
